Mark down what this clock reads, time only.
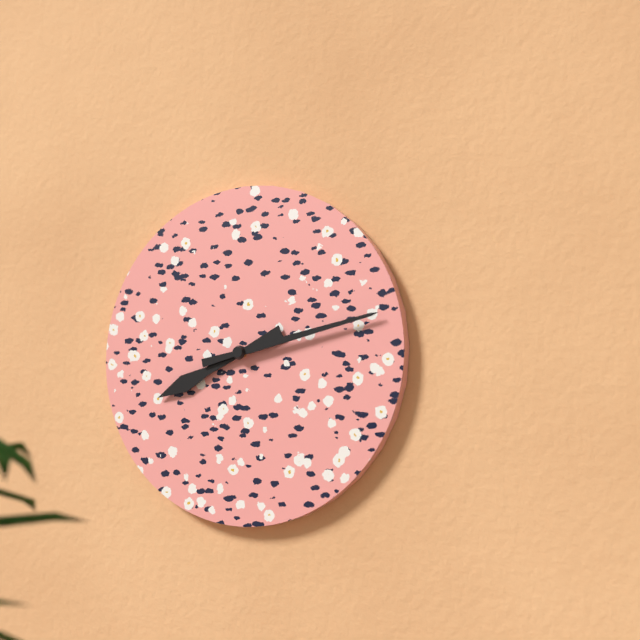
8:13
